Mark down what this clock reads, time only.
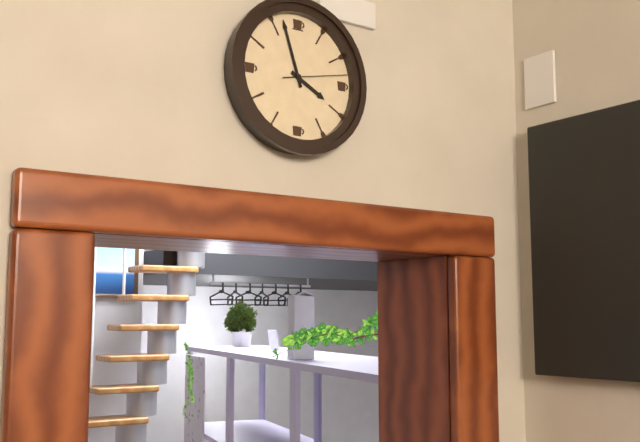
3:57:13
